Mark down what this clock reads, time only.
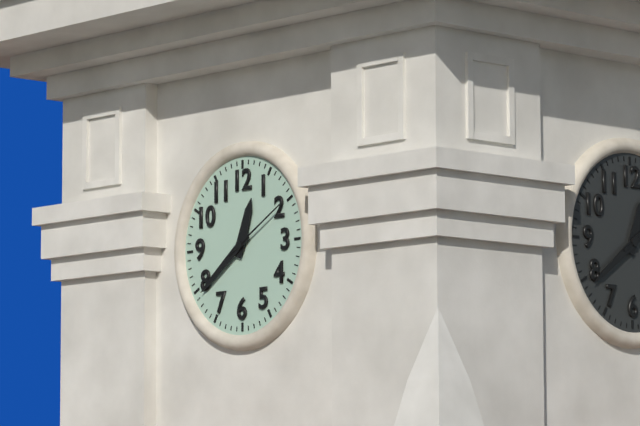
12:39:10
